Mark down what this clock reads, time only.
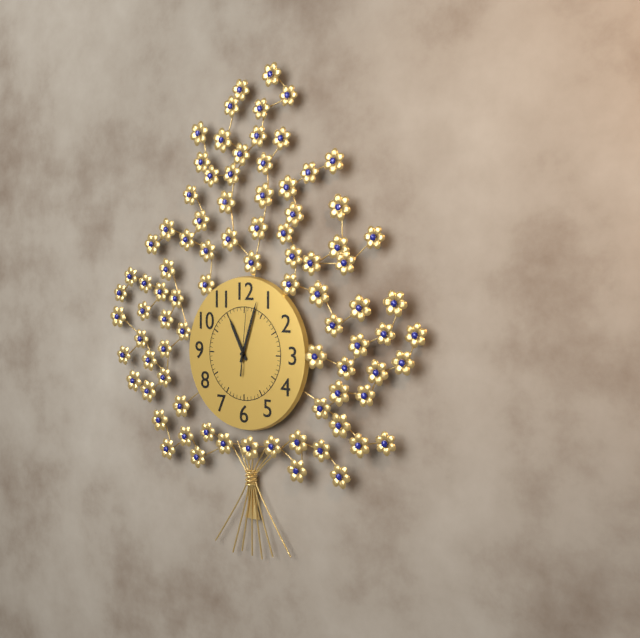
11:03:01
